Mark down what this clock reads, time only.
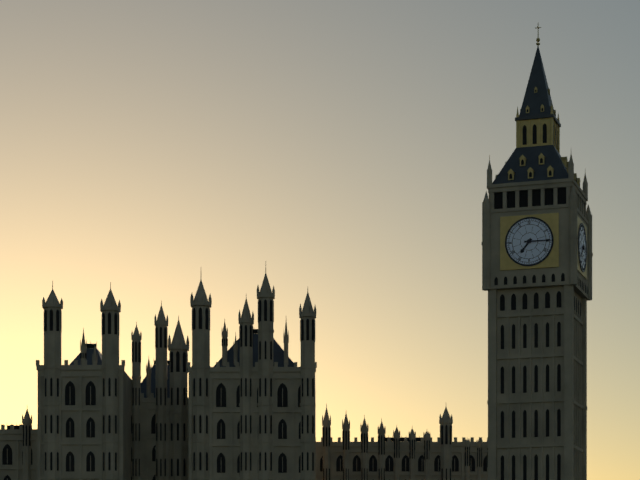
7:15
